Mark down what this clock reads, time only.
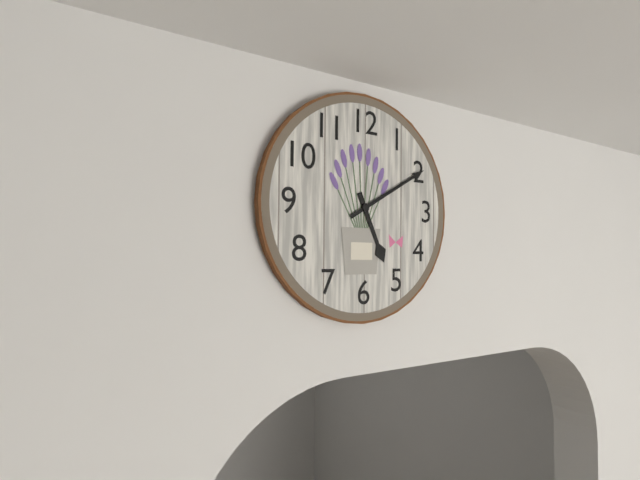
5:10
